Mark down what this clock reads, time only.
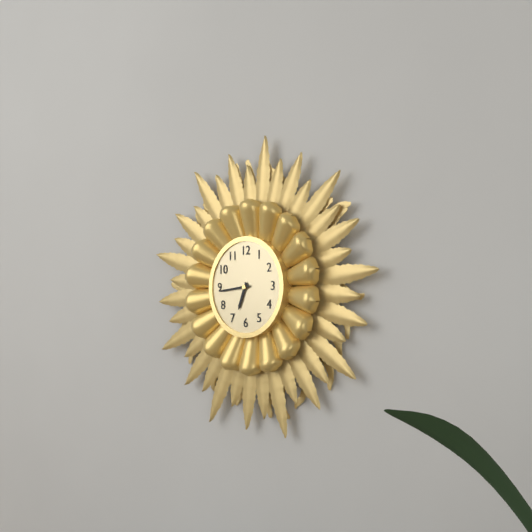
6:44
